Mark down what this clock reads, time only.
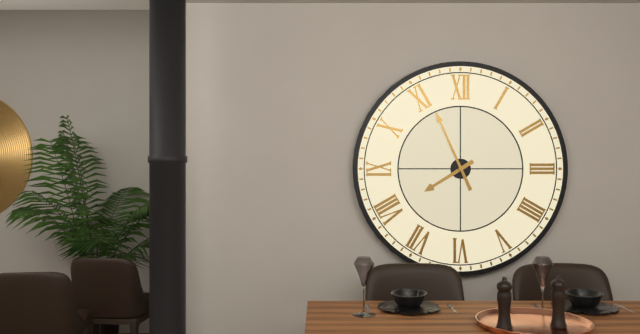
7:56
